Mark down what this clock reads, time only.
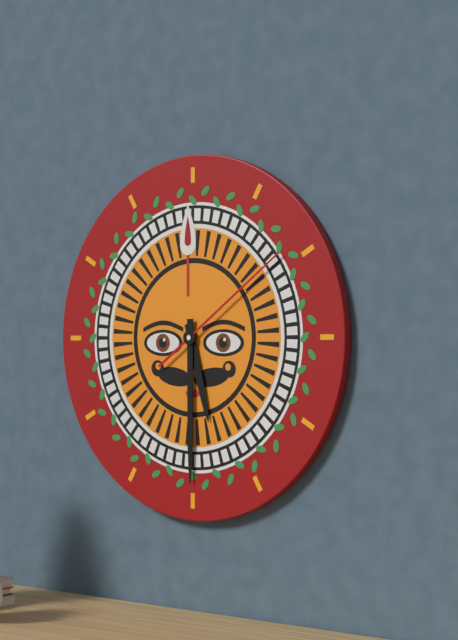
5:30:09
